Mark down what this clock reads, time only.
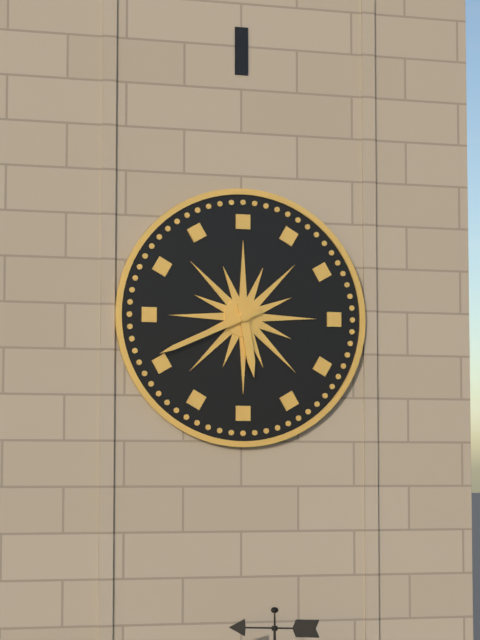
5:41
